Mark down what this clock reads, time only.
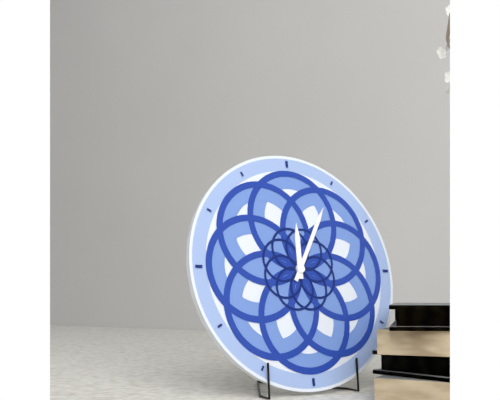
12:05
